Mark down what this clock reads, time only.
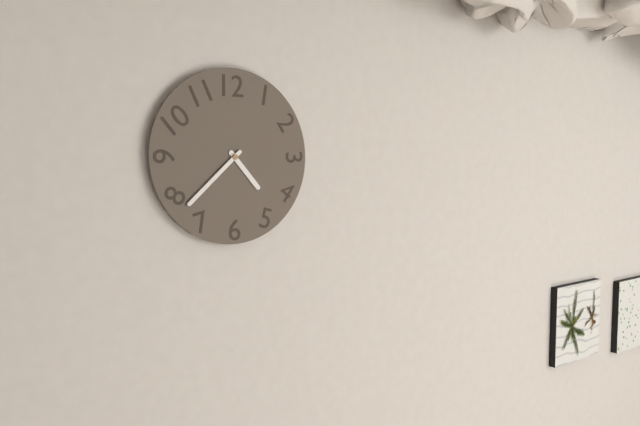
4:38
